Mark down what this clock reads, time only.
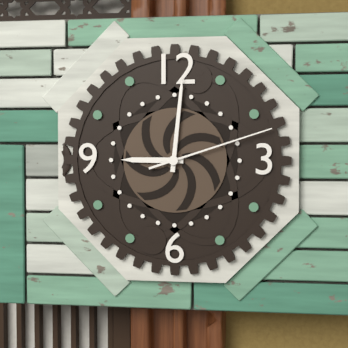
9:01:12
